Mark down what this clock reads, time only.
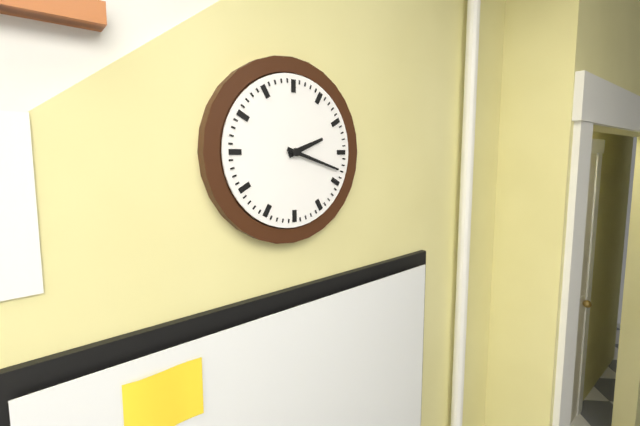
2:18
